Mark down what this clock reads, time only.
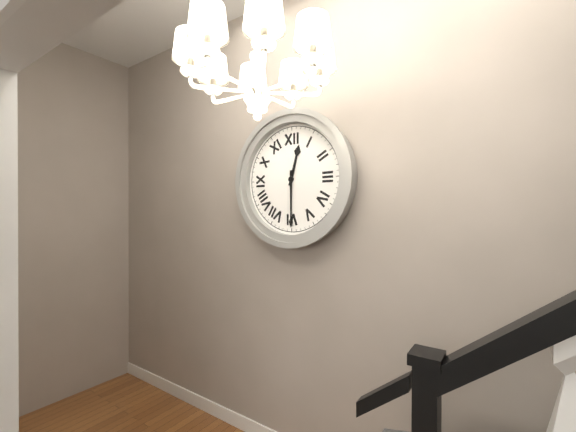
12:30
